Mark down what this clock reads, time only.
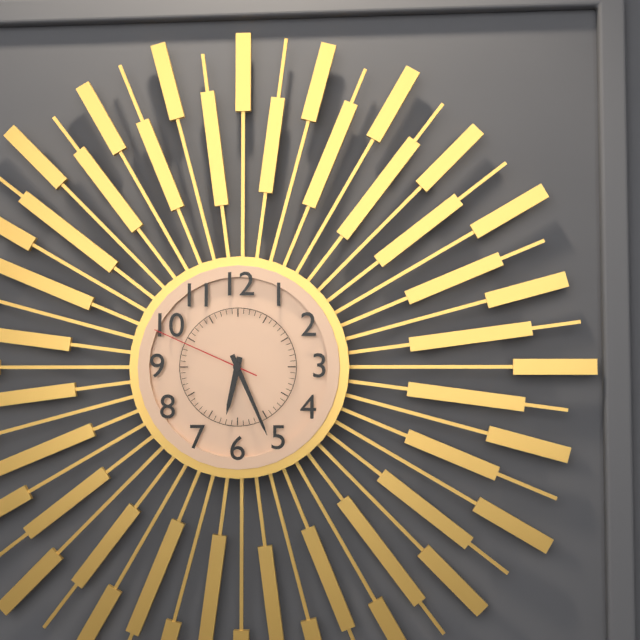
6:26:49
